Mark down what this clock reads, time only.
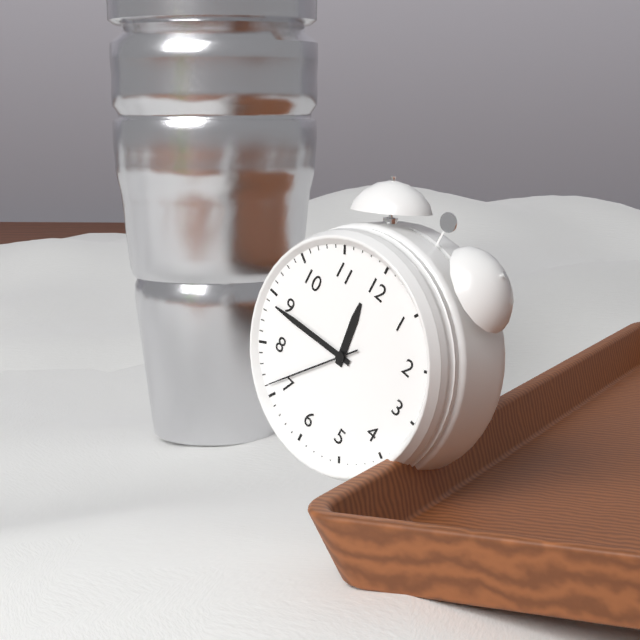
11:44:36
